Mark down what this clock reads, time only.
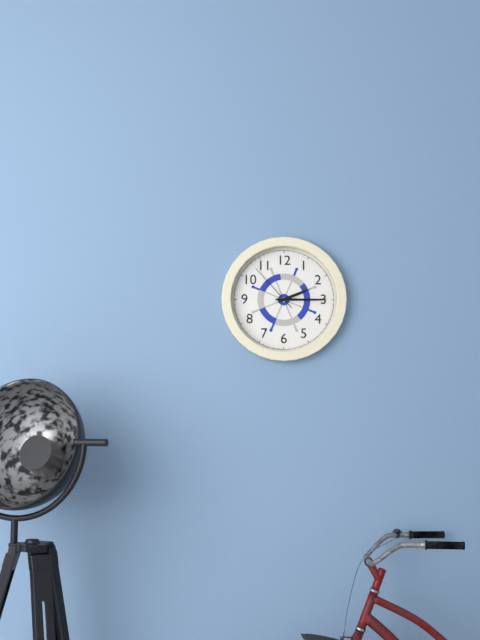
2:15:53
